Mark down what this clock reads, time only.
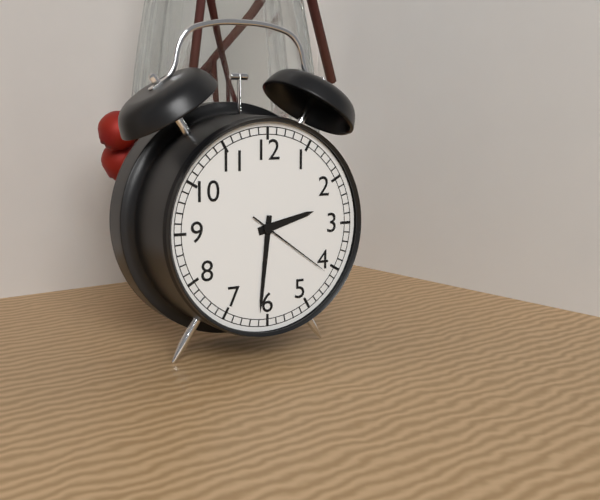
2:31:21
